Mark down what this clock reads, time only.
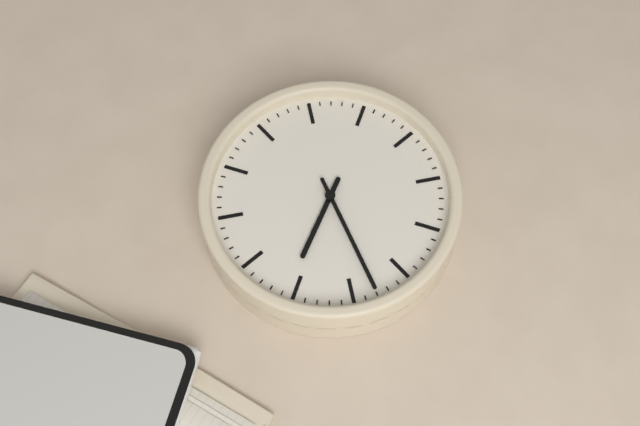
3:08
